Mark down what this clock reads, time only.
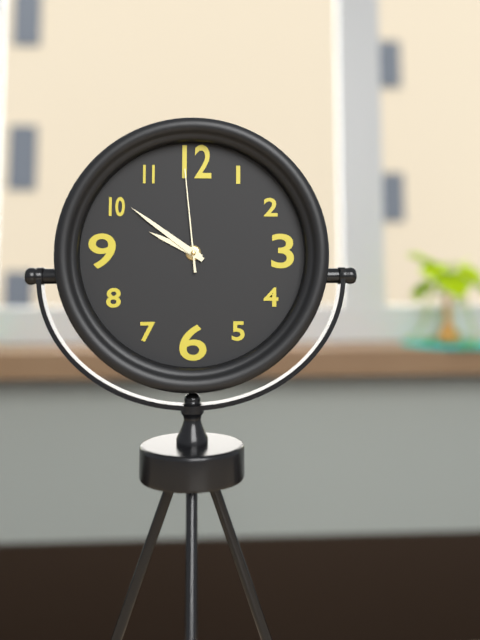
9:51:59
